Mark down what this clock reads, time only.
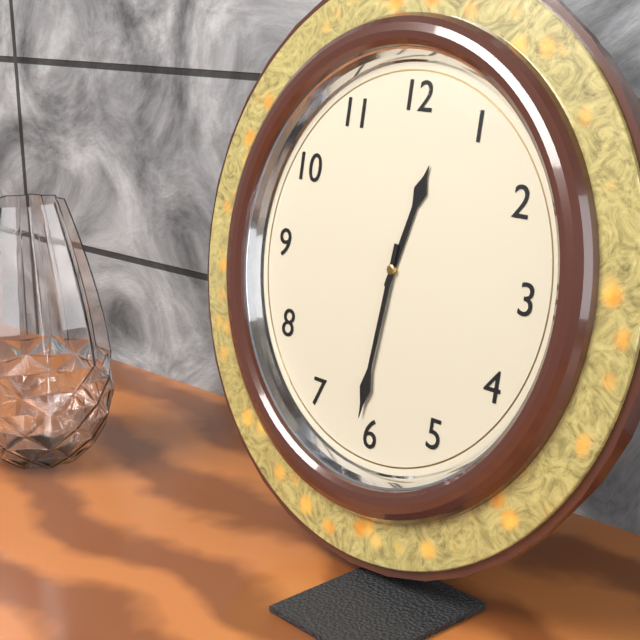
12:31
